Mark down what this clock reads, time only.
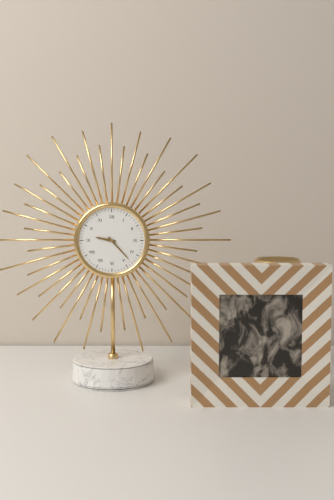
9:23
